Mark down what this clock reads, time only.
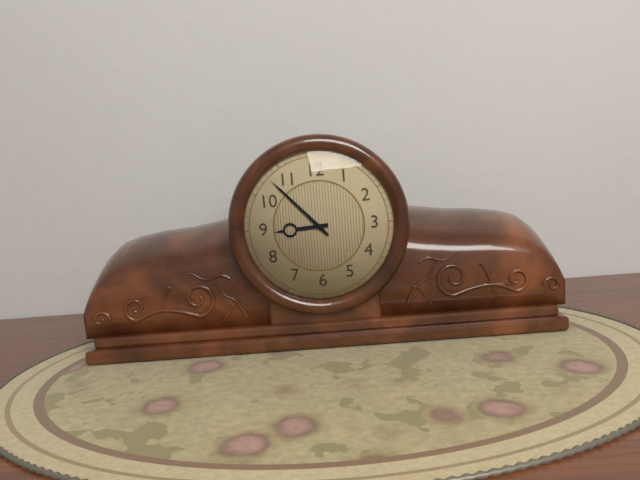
8:53
